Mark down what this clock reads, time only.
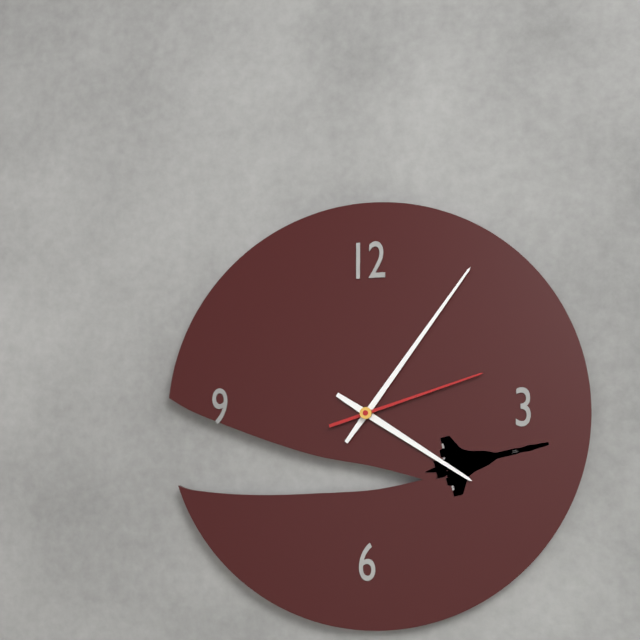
4:06:12
